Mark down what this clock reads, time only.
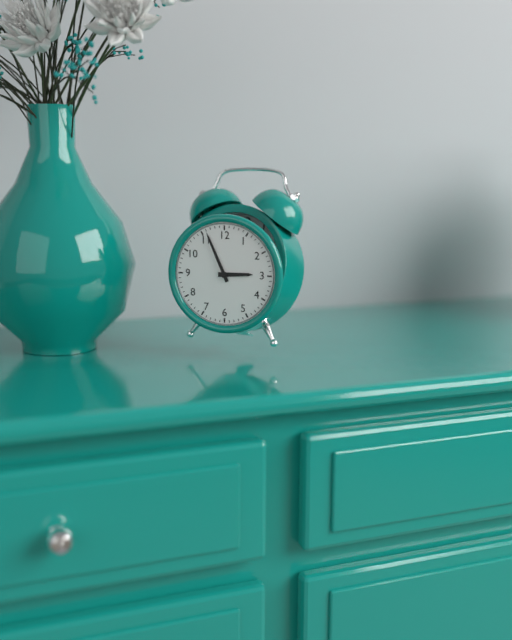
2:56
